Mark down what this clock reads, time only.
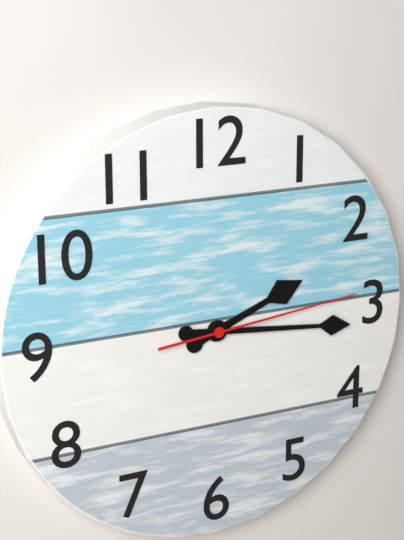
2:16:14
